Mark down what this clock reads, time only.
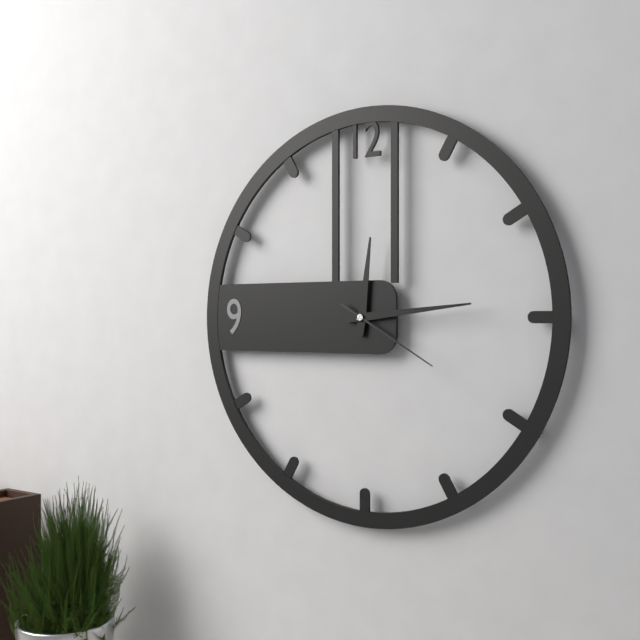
12:14:20
